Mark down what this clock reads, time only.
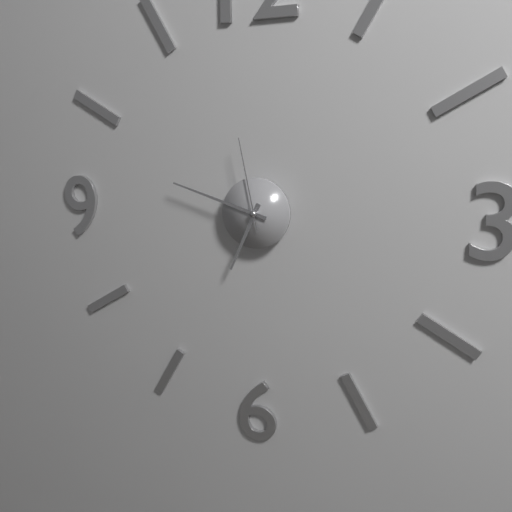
6:48:58
